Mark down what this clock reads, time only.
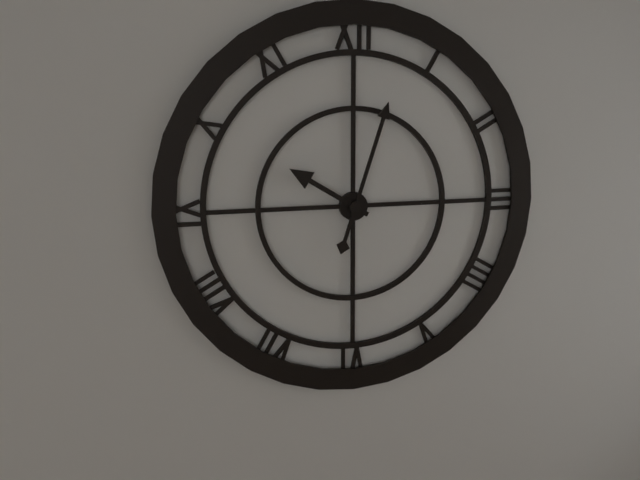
10:03
